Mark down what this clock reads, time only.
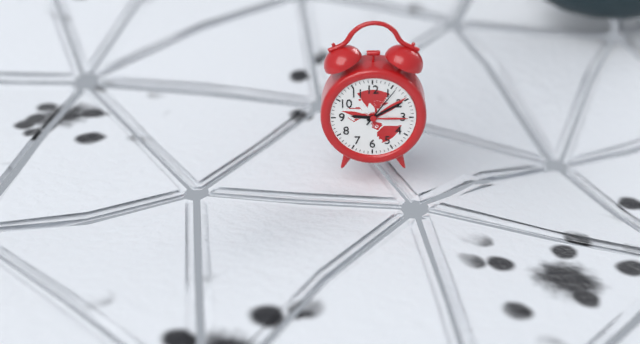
9:10
